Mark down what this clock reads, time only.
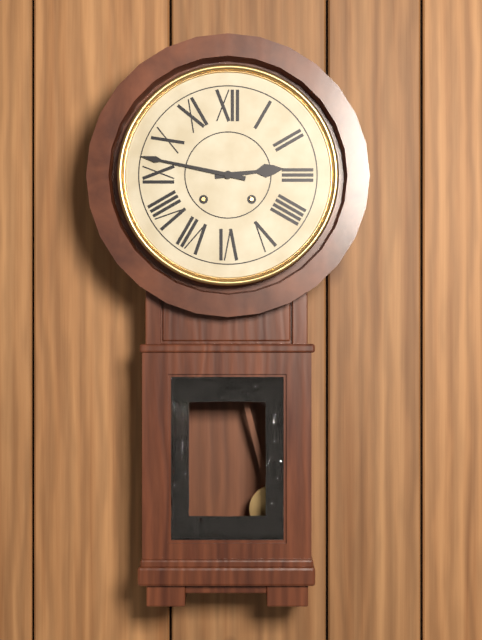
2:47
